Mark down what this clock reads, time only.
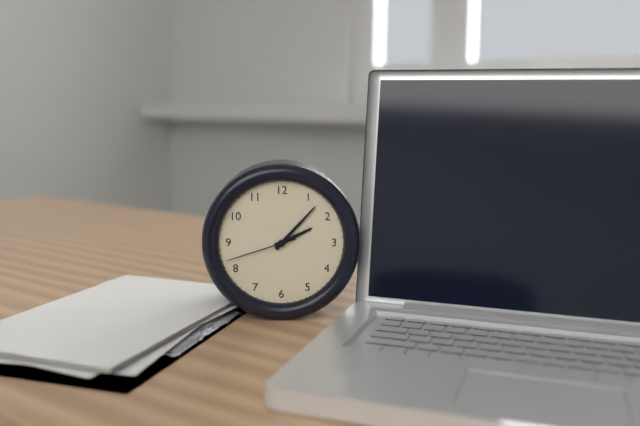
2:07:42
